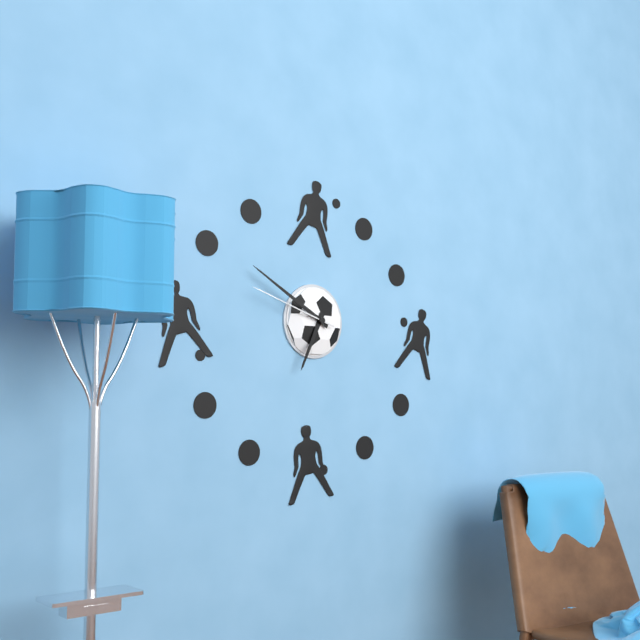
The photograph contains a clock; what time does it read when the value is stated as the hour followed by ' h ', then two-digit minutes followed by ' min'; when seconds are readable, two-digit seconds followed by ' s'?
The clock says 6 h 50 min 48 s
